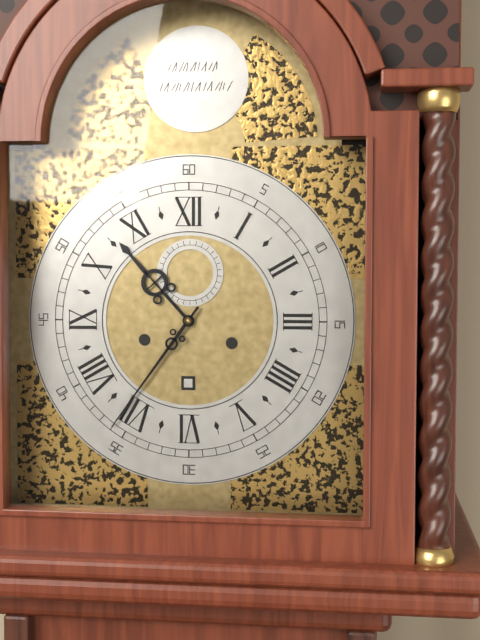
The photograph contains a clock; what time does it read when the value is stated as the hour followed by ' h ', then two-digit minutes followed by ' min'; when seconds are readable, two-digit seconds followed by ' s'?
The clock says 10 h 36 min
